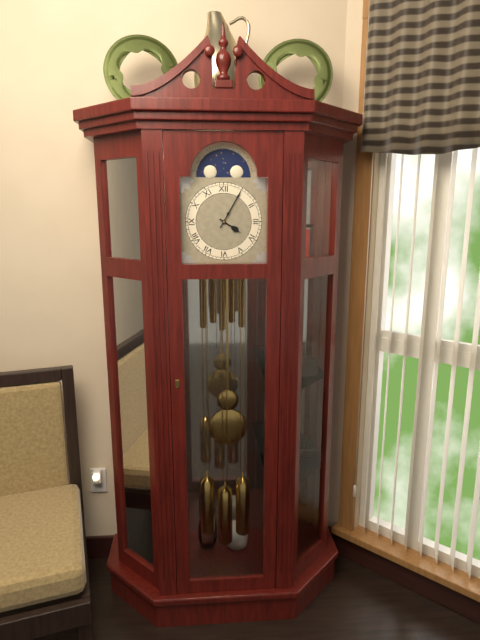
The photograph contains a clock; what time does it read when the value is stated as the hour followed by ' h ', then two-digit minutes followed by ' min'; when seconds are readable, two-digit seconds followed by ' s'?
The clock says 4 h 05 min
